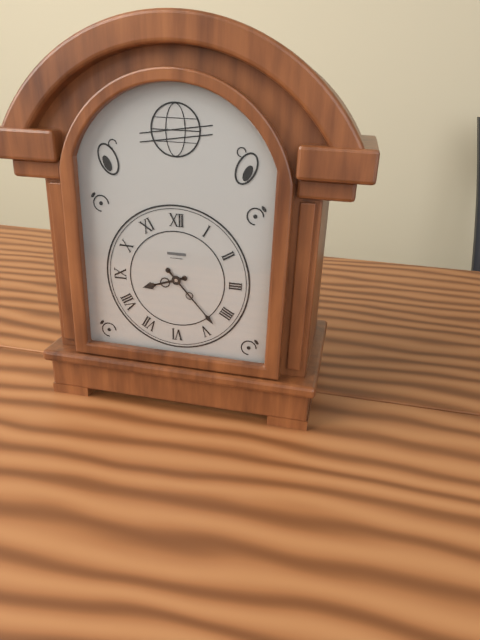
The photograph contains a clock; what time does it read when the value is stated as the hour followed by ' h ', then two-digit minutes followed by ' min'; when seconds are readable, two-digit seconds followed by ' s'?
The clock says 8 h 23 min
